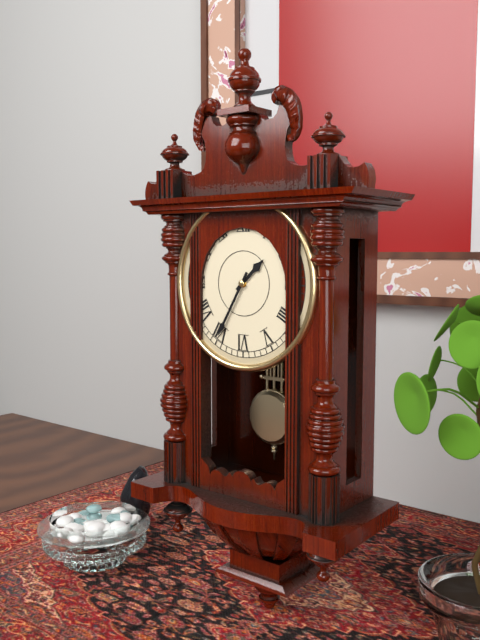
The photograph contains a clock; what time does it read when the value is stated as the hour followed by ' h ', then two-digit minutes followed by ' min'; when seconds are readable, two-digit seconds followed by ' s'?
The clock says 1 h 35 min
